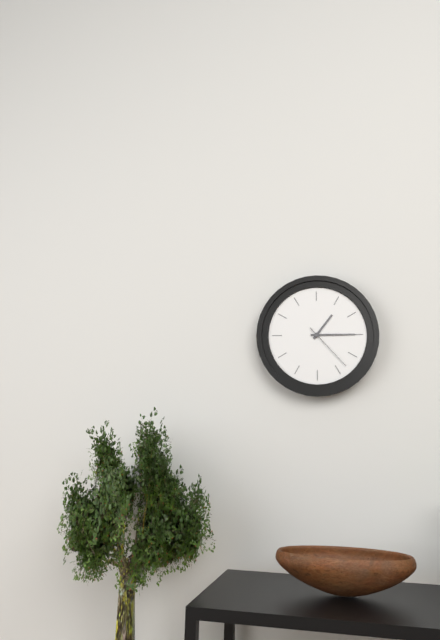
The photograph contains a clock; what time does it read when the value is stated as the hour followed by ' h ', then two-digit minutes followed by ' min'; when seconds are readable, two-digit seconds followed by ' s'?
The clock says 1 h 15 min 23 s
